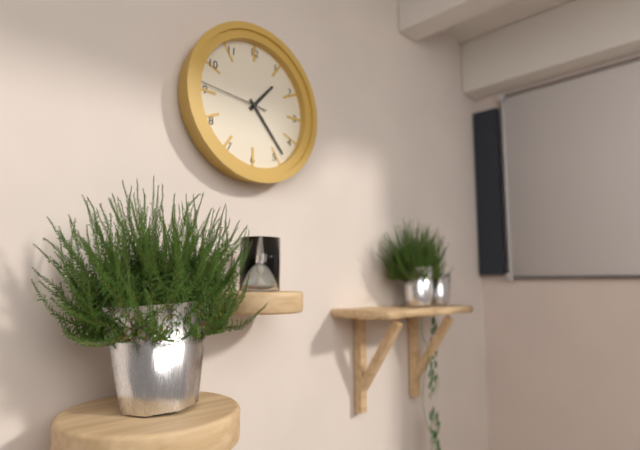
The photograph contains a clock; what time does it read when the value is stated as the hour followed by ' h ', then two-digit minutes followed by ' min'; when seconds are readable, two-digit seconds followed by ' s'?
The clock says 1 h 23 min 46 s
